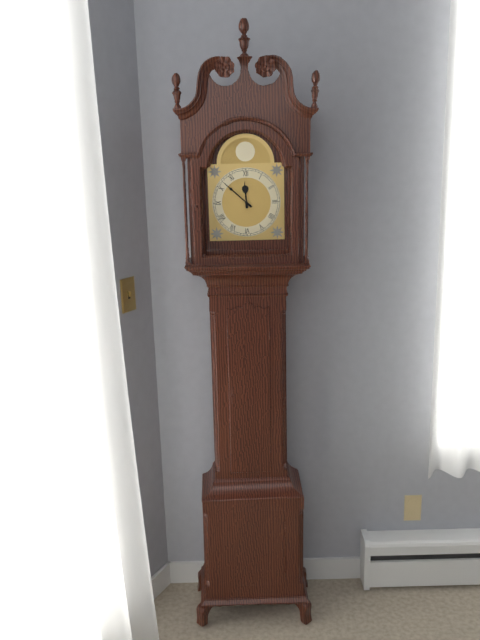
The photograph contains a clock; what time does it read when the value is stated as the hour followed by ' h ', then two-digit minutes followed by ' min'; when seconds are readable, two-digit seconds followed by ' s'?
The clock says 11 h 52 min
